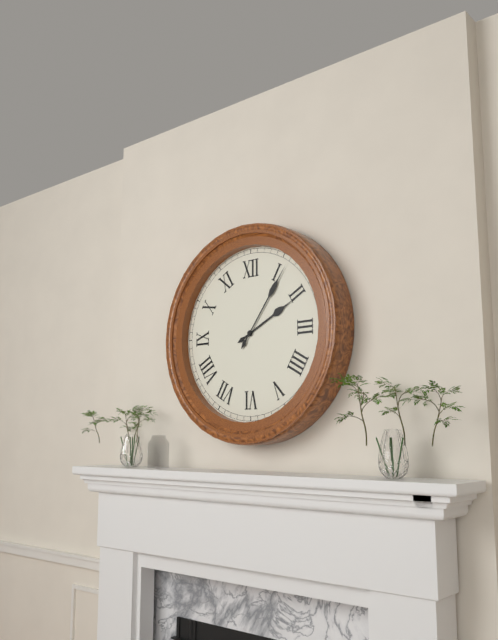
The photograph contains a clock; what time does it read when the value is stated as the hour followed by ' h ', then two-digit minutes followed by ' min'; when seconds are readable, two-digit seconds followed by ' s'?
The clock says 2 h 06 min
